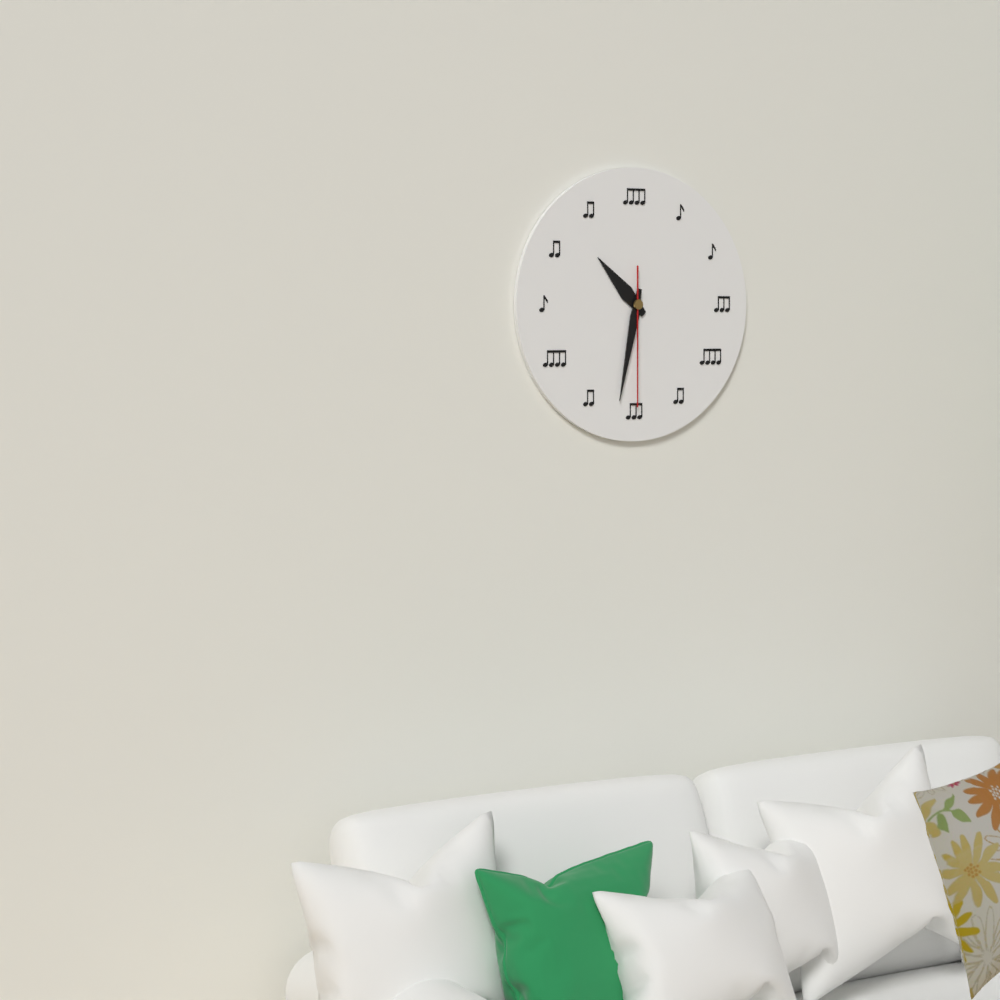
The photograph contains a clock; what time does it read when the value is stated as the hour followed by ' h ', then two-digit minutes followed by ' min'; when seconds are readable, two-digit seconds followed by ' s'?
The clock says 10 h 32 min 30 s
